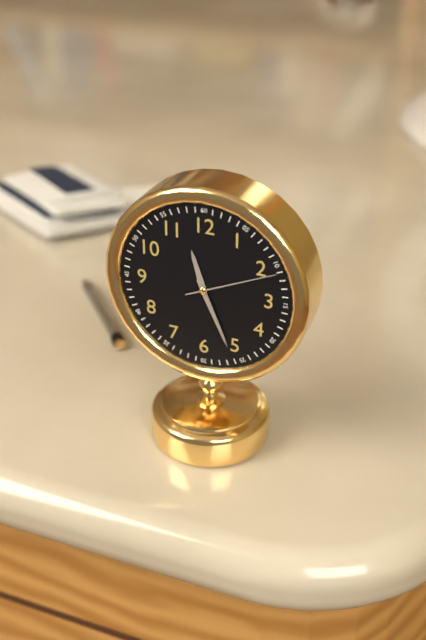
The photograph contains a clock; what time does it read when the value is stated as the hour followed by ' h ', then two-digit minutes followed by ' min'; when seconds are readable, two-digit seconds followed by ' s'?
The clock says 11 h 26 min 11 s
